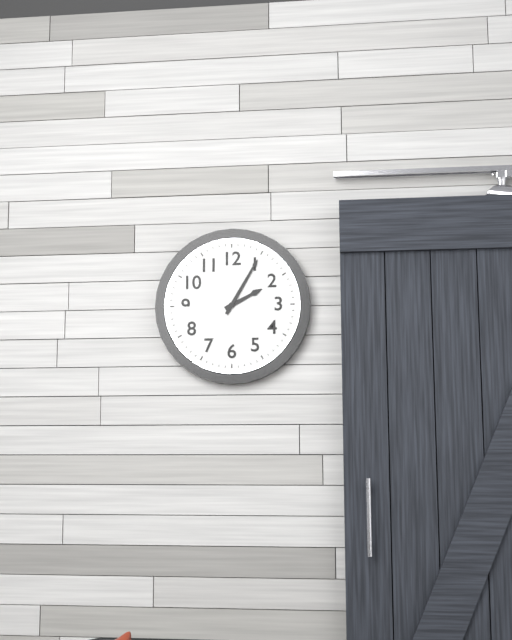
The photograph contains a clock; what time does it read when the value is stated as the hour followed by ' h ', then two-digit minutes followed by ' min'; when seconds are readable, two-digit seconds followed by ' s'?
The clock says 2 h 05 min
